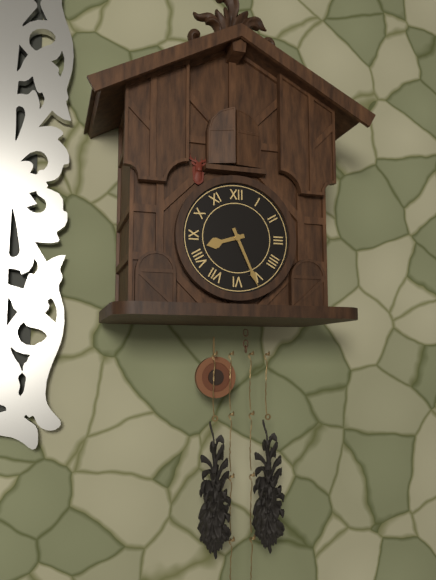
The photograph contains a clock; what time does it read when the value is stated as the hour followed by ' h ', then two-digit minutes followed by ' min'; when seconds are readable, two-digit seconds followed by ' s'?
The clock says 8 h 26 min
